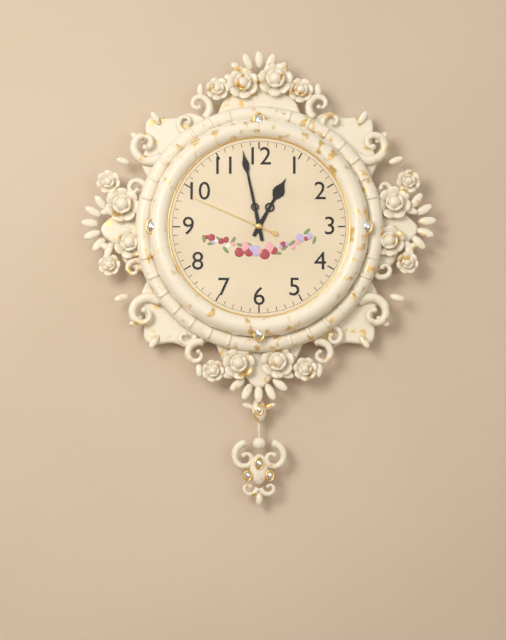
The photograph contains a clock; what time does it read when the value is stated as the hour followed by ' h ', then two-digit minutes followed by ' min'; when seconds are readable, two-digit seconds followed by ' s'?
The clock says 12 h 58 min 49 s
